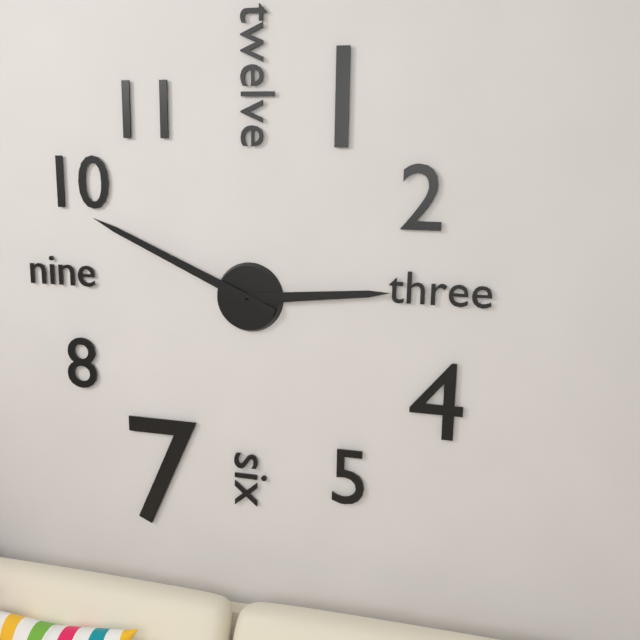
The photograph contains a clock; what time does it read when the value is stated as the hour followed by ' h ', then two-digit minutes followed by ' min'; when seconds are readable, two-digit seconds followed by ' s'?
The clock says 2 h 49 min
